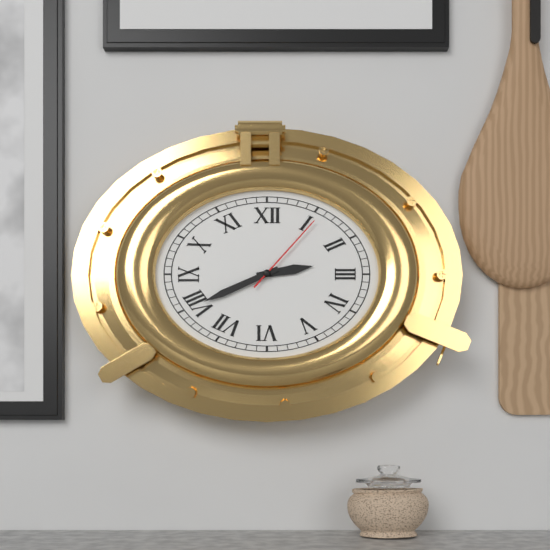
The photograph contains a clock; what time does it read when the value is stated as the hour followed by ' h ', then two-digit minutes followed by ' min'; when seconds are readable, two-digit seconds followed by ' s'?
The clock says 2 h 41 min 07 s
